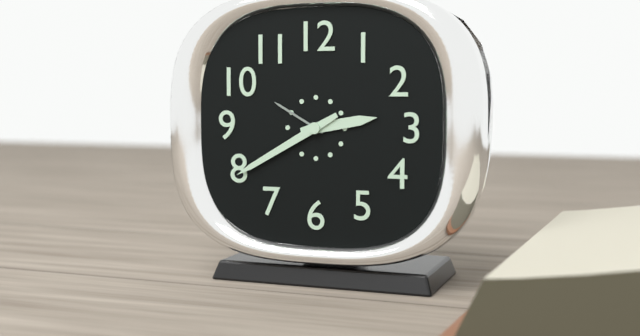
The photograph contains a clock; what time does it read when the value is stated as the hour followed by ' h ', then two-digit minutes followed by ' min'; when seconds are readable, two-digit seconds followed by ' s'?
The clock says 2 h 40 min
